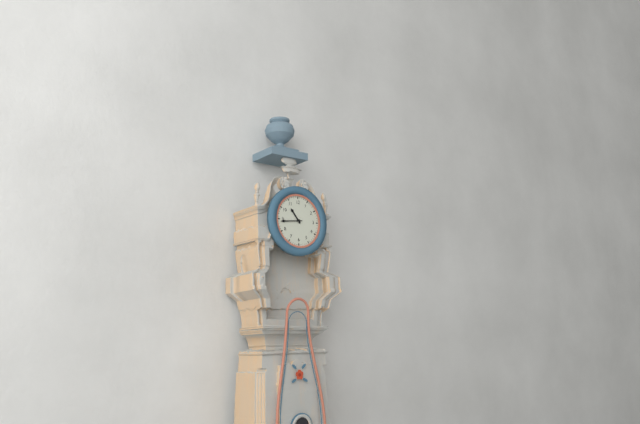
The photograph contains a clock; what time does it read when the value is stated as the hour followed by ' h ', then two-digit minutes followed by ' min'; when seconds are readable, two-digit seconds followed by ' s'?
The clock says 10 h 44 min
